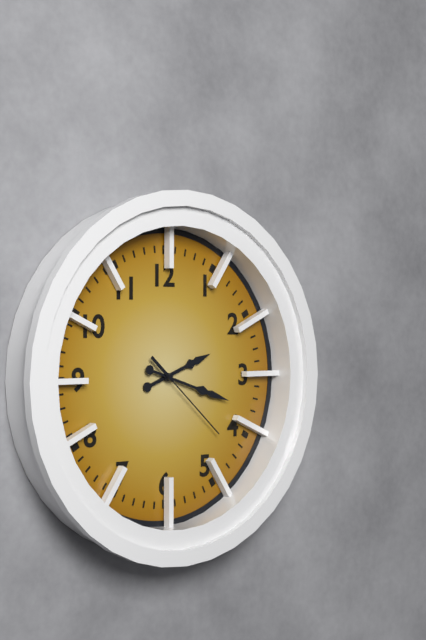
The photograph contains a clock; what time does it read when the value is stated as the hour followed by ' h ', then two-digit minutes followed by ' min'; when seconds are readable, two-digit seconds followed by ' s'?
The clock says 2 h 18 min 22 s
